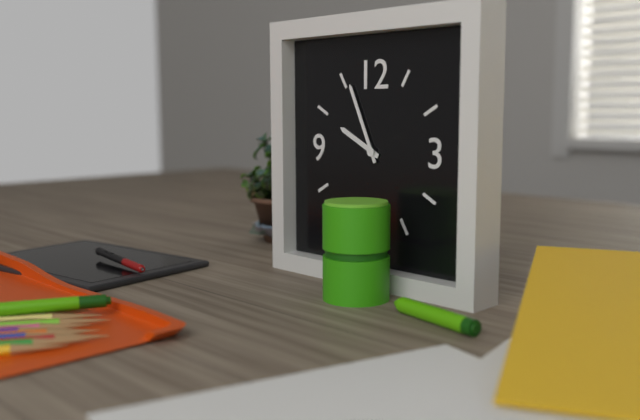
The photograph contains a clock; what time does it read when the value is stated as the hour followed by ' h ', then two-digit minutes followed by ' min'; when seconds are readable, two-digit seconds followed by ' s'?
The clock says 9 h 56 min
